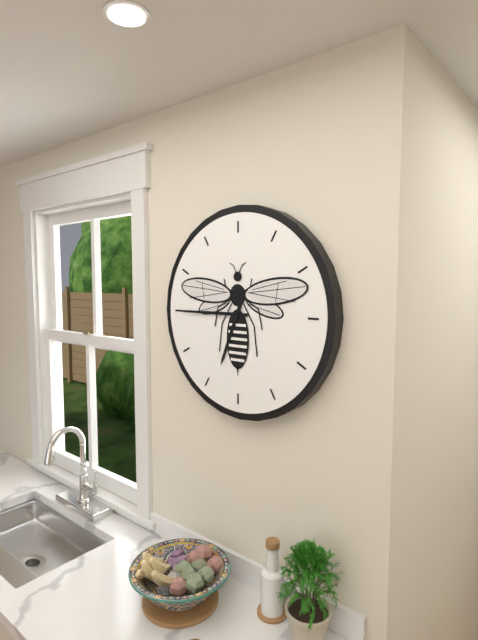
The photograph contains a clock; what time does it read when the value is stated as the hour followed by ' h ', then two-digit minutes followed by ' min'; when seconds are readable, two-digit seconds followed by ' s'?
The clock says 6 h 45 min
